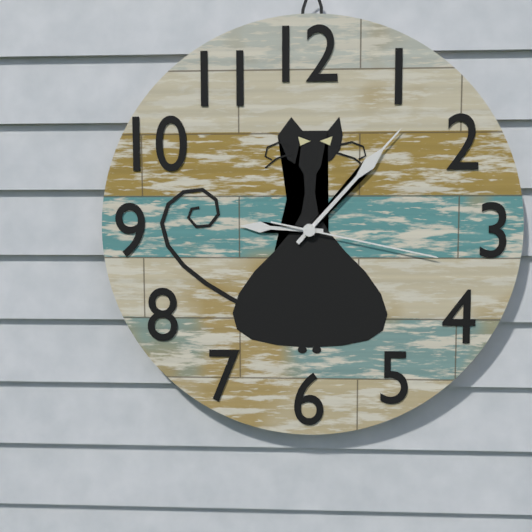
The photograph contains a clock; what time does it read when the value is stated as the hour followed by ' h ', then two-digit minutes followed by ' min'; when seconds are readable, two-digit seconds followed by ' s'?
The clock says 9 h 07 min 17 s
